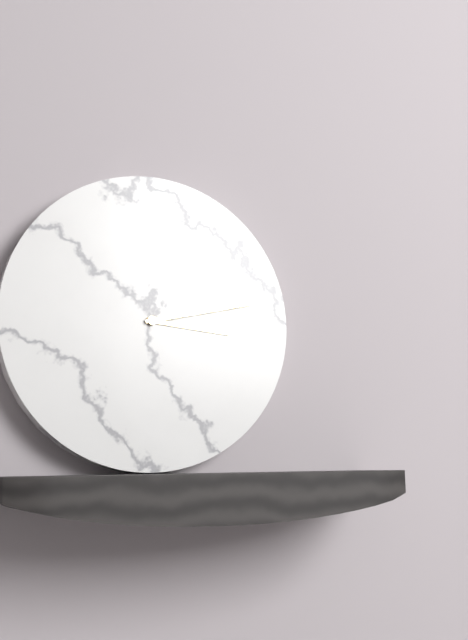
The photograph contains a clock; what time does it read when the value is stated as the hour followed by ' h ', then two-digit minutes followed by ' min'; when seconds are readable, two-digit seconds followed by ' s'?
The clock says 3 h 13 min
